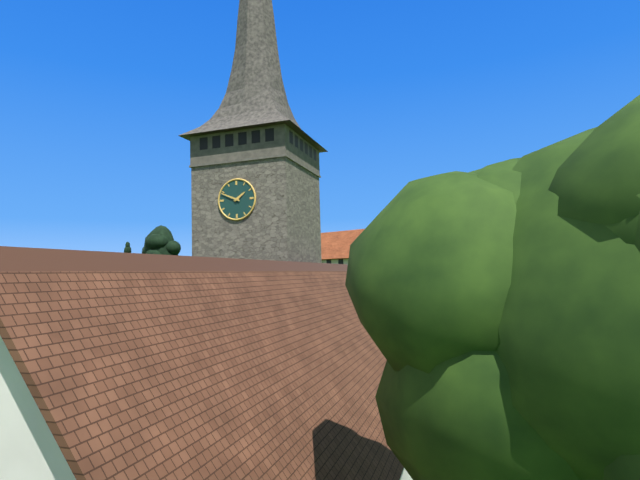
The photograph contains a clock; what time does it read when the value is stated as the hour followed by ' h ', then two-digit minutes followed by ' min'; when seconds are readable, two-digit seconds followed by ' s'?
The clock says 1 h 49 min
